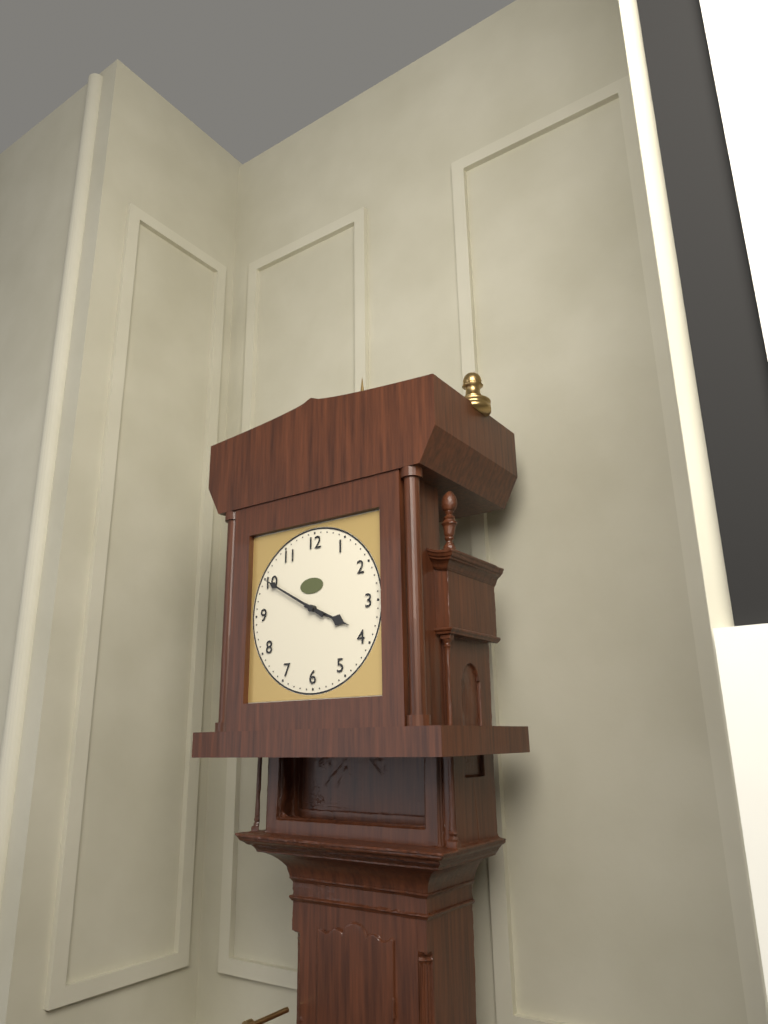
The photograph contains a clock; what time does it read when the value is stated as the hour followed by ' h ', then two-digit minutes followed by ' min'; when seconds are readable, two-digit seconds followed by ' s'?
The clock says 3 h 50 min
